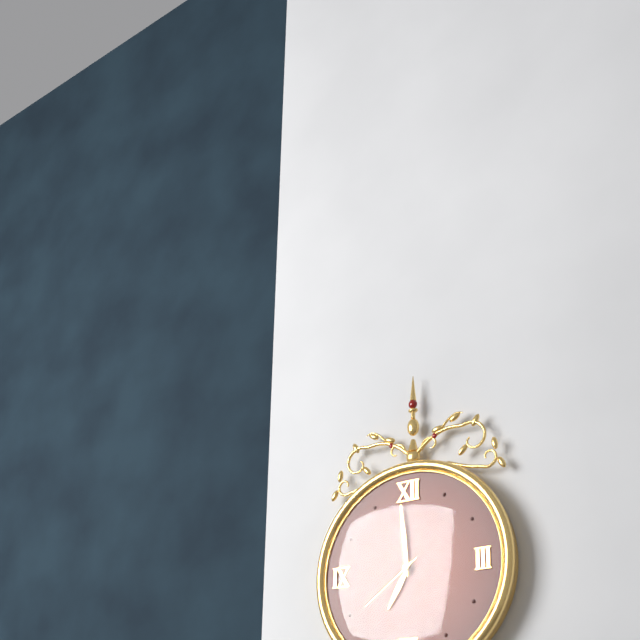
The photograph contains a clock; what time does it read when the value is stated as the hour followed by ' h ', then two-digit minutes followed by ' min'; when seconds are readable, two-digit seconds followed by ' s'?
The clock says 6 h 59 min 39 s
